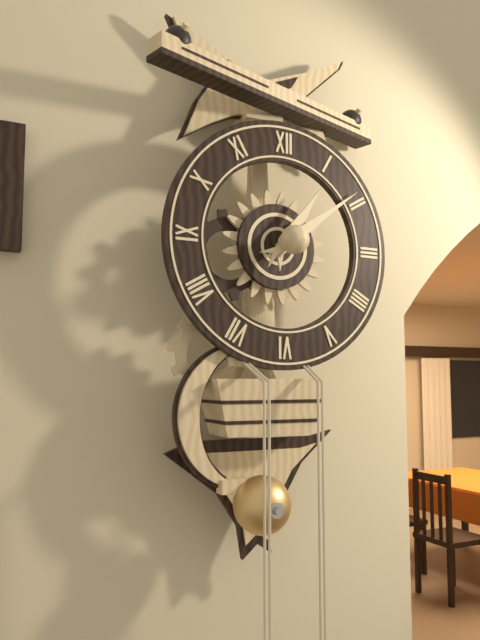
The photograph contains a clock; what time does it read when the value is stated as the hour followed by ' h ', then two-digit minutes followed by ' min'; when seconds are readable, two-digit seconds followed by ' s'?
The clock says 1 h 09 min
